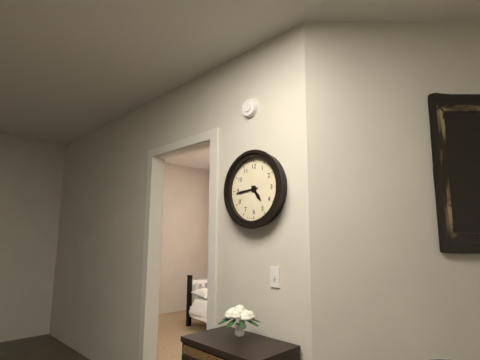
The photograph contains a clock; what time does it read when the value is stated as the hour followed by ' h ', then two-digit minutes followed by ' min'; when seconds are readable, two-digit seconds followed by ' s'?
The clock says 4 h 44 min
